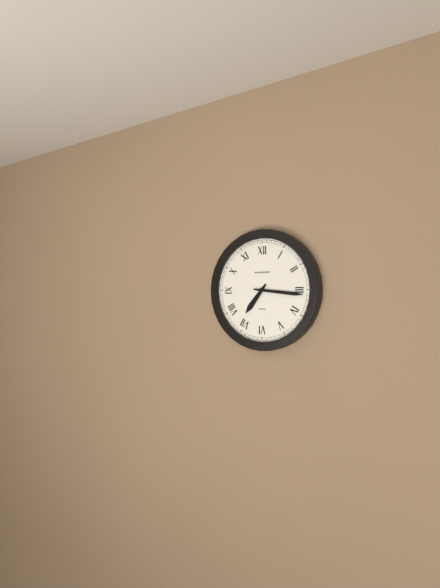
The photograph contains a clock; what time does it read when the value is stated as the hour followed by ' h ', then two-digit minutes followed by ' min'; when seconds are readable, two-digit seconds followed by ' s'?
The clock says 7 h 16 min
